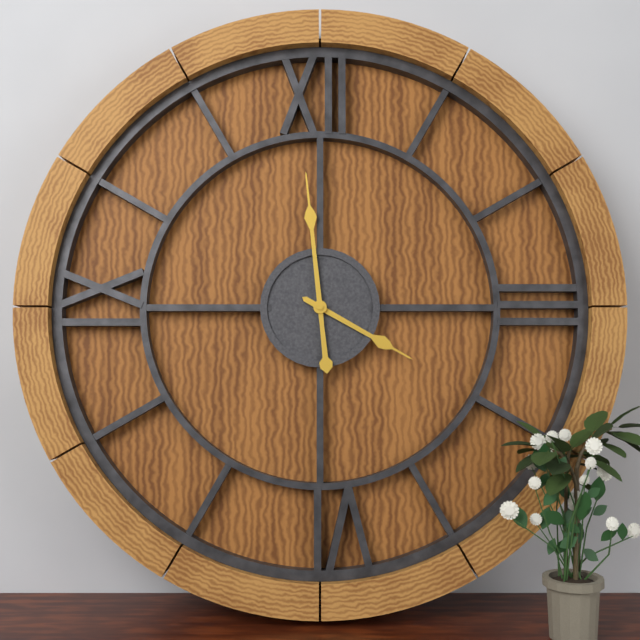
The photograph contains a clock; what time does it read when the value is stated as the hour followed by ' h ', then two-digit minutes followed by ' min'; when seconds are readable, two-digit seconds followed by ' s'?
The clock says 3 h 59 min
